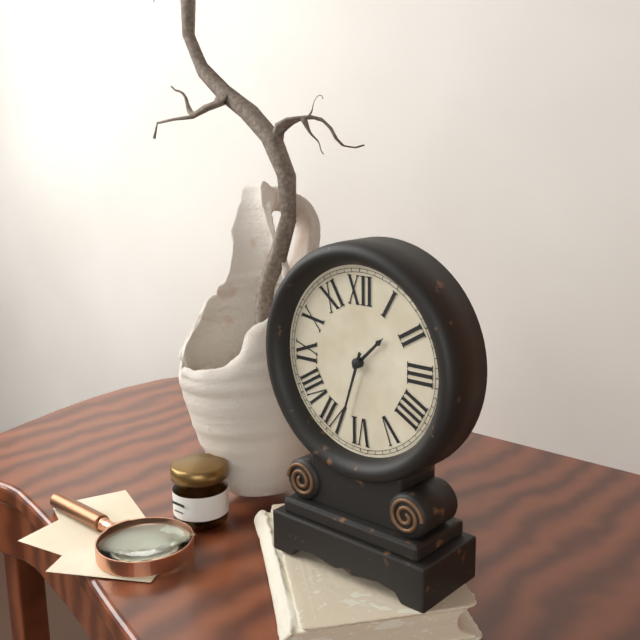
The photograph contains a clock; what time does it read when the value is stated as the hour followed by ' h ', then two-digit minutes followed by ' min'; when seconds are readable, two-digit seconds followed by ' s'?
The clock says 1 h 33 min
